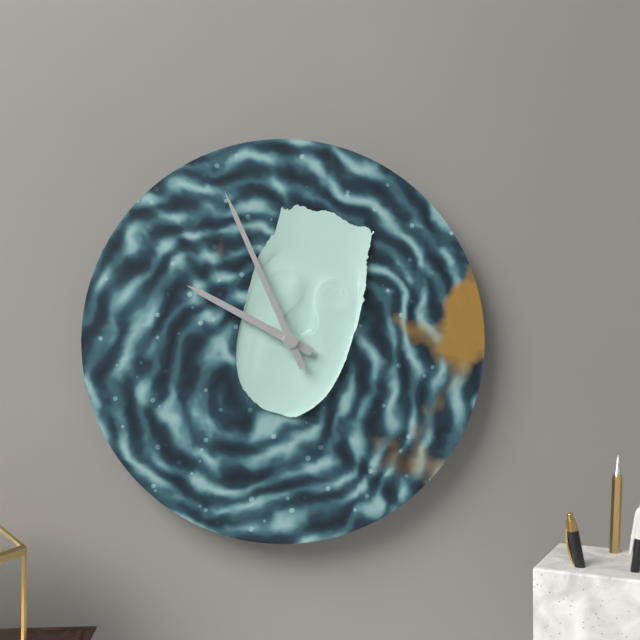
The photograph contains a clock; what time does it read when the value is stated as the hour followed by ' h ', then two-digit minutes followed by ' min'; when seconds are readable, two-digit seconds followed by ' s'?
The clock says 9 h 56 min
